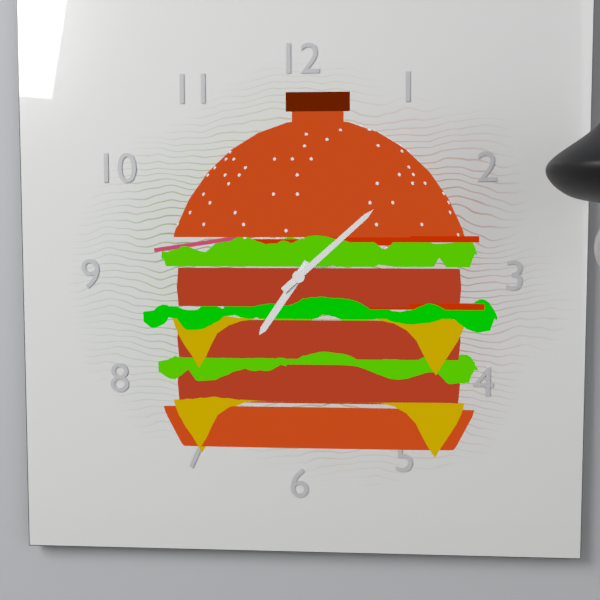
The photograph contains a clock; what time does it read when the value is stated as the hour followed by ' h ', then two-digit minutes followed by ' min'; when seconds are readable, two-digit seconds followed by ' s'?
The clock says 7 h 08 min
